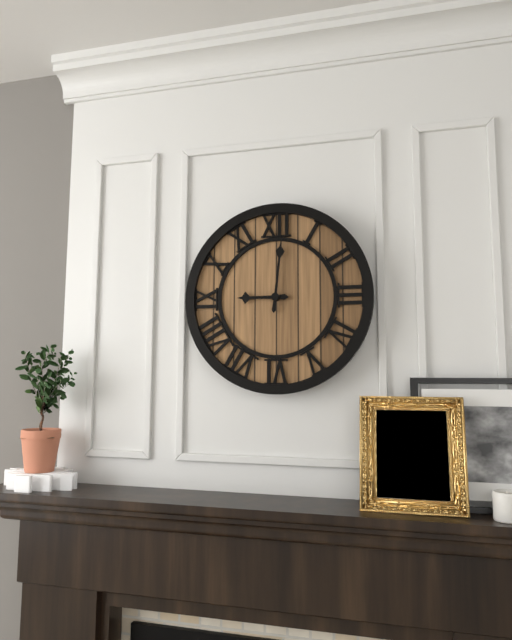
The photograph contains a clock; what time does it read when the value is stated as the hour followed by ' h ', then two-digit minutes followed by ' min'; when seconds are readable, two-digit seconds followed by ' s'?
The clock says 9 h 01 min
